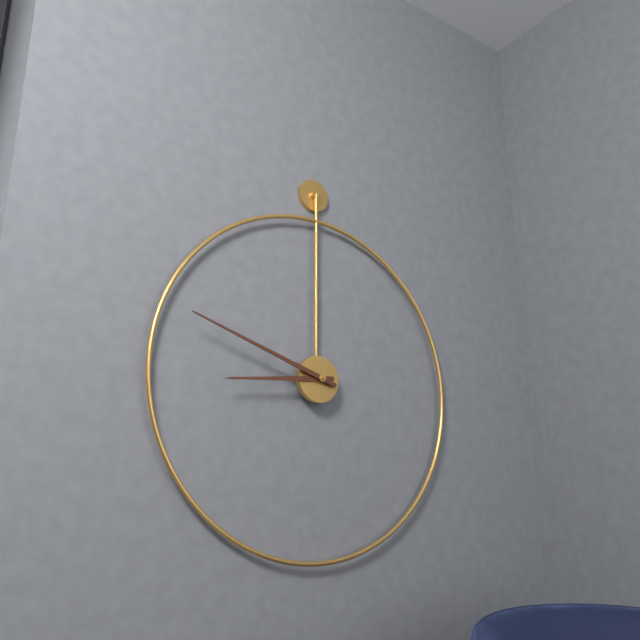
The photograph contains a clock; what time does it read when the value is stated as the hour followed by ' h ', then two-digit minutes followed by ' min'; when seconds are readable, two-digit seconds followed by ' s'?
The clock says 8 h 48 min
